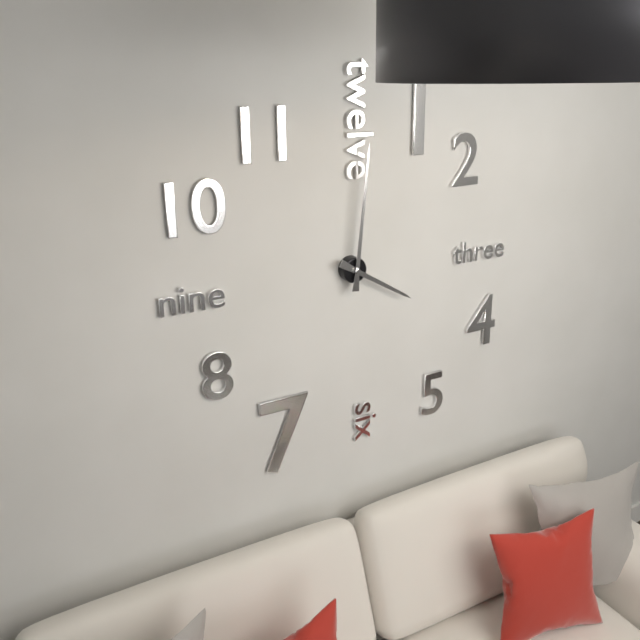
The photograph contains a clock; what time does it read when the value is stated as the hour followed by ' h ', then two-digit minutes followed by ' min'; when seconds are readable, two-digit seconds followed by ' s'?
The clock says 4 h 01 min
